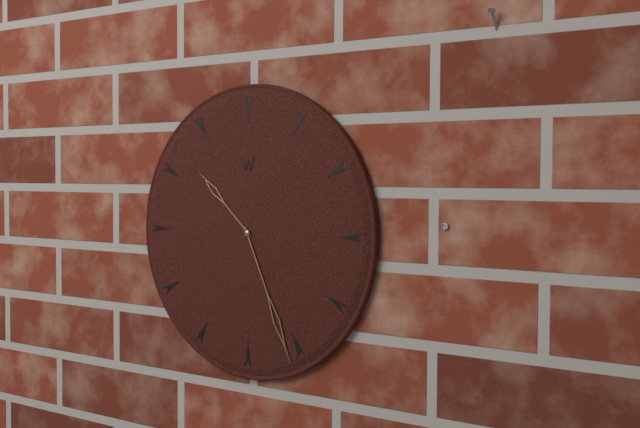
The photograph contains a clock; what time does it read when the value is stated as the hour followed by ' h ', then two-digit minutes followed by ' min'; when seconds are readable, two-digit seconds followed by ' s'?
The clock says 10 h 26 min
